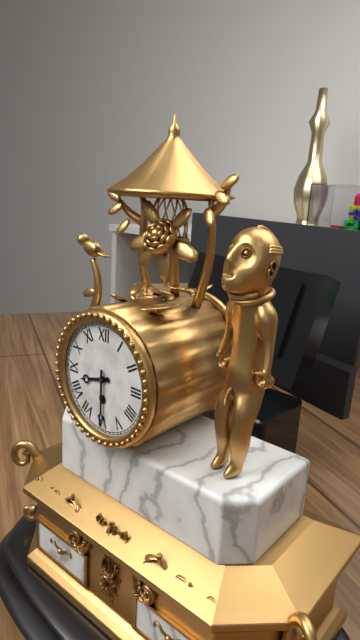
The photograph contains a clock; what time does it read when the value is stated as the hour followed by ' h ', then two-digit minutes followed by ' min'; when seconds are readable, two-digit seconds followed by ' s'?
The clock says 8 h 30 min
